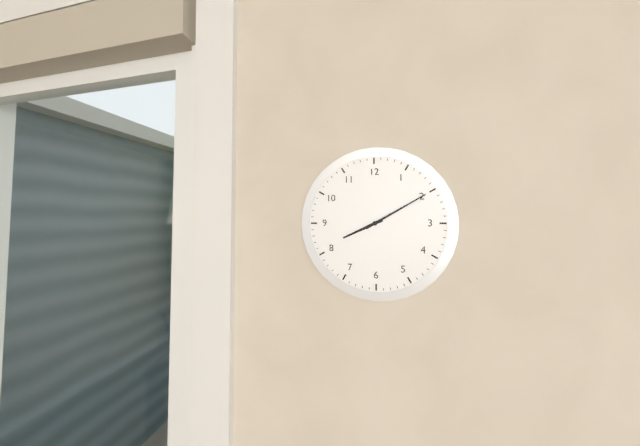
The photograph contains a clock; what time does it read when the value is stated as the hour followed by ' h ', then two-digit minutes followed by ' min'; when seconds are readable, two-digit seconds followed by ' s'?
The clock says 8 h 10 min
